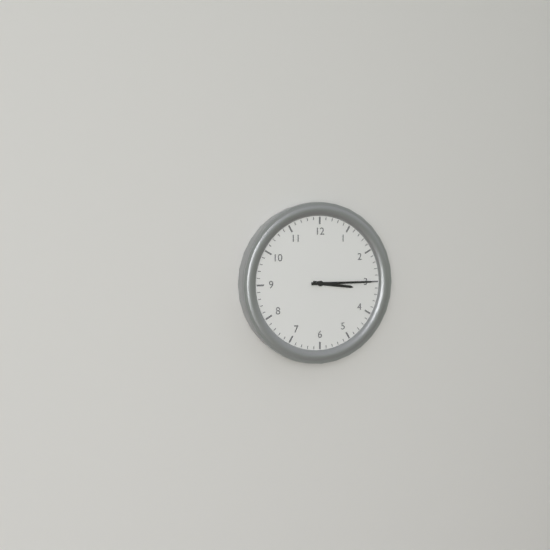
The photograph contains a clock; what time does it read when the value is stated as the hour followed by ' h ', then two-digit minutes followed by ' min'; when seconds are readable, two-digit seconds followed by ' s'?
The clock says 3 h 15 min
